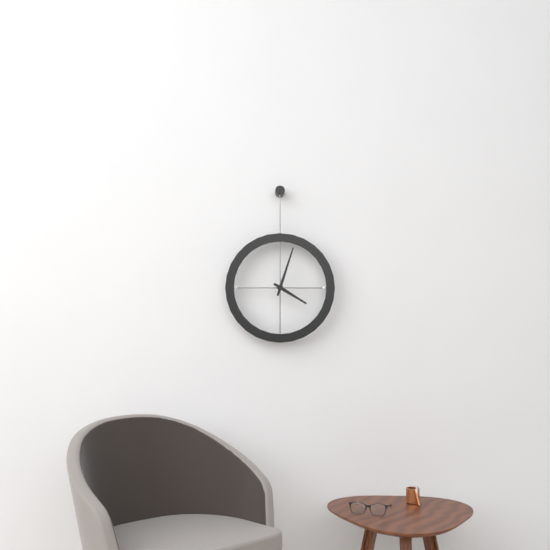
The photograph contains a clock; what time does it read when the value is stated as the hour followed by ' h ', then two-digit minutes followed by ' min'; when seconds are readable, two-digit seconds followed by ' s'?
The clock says 4 h 03 min
